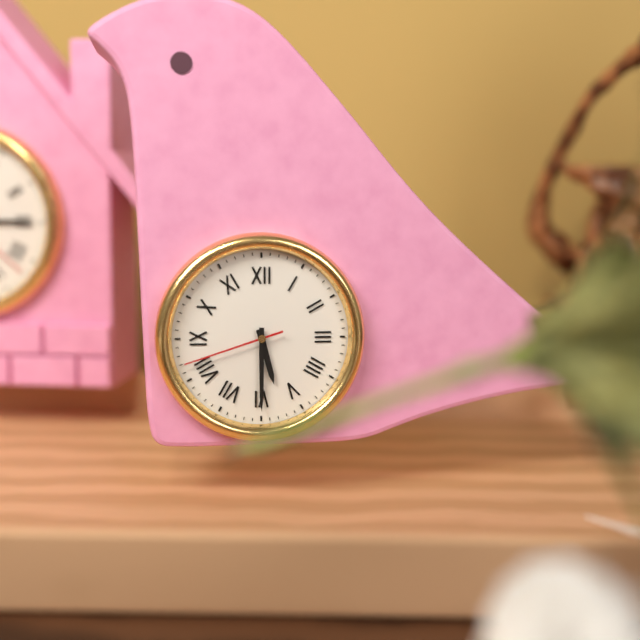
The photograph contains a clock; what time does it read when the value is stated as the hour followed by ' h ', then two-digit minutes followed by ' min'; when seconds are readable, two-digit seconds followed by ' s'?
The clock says 5 h 30 min 42 s
